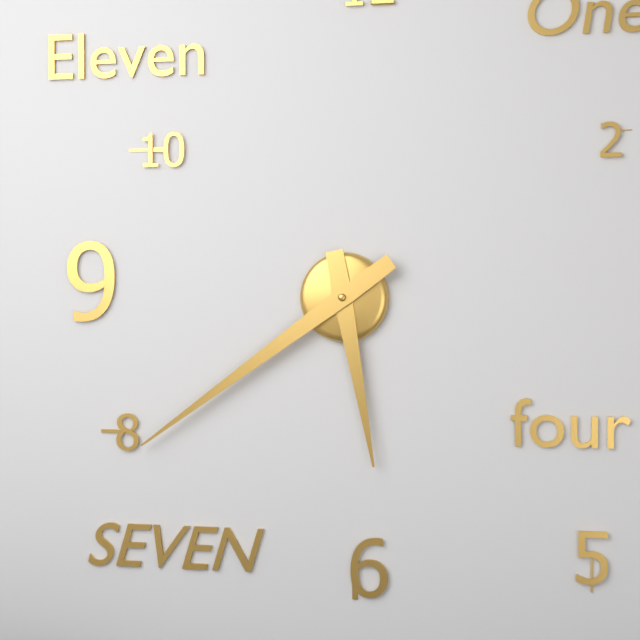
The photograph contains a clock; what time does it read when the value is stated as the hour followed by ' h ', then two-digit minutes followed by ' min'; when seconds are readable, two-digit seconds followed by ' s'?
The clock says 5 h 39 min
